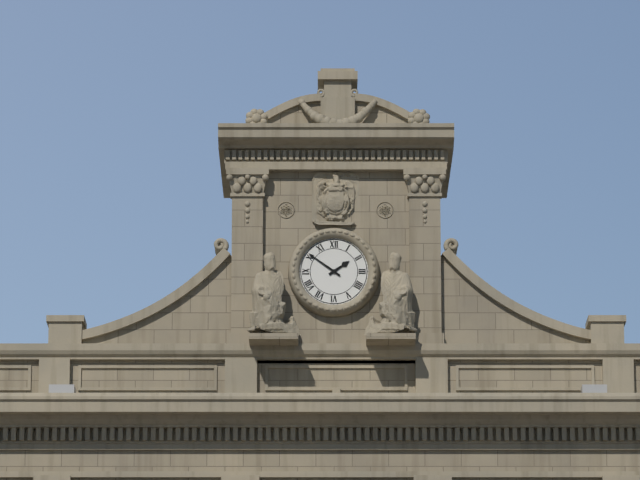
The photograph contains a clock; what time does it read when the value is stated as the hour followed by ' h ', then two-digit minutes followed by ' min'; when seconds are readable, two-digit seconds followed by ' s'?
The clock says 1 h 51 min
